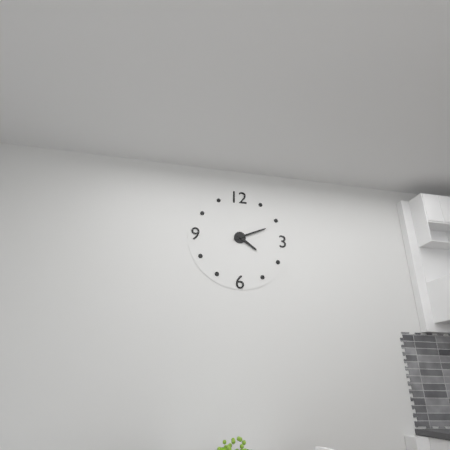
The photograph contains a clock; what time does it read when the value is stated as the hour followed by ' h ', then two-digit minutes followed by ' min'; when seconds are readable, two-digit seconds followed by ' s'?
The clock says 4 h 11 min
